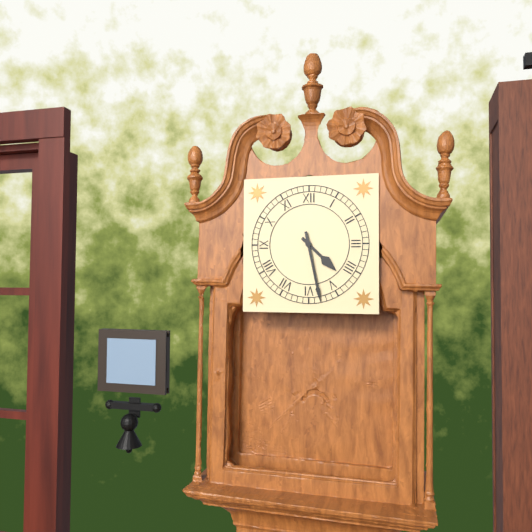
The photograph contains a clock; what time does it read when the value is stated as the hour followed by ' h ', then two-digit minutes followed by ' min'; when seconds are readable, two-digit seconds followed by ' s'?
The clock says 4 h 28 min
